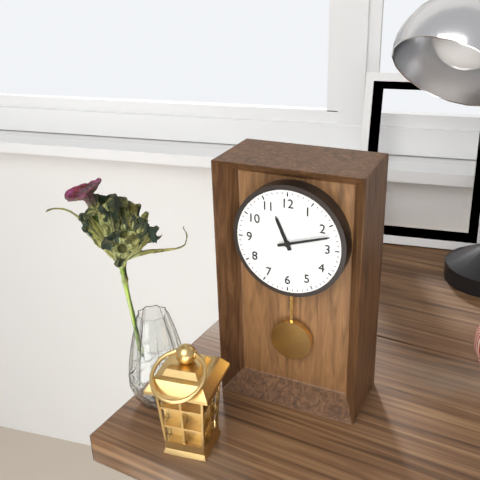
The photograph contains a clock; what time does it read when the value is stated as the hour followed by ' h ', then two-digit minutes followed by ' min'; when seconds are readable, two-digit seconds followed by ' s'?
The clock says 11 h 12 min
